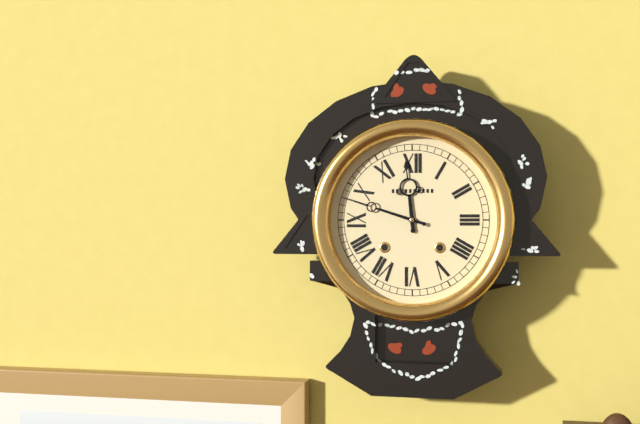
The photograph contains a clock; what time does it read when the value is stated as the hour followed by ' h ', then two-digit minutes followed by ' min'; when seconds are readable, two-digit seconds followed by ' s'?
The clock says 11 h 48 min
